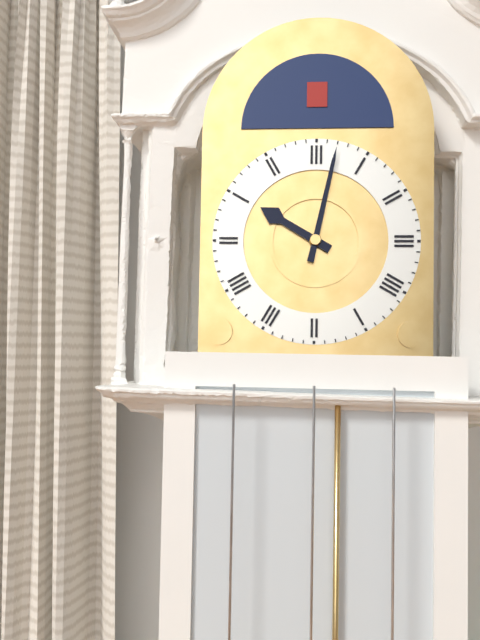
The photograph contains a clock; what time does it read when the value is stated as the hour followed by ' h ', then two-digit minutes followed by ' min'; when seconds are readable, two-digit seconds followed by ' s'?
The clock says 10 h 02 min
